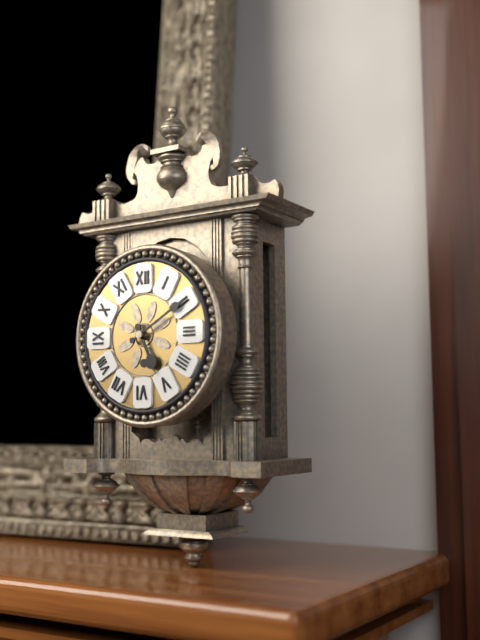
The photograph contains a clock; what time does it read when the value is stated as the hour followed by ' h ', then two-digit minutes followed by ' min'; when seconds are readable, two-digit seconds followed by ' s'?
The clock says 5 h 10 min
